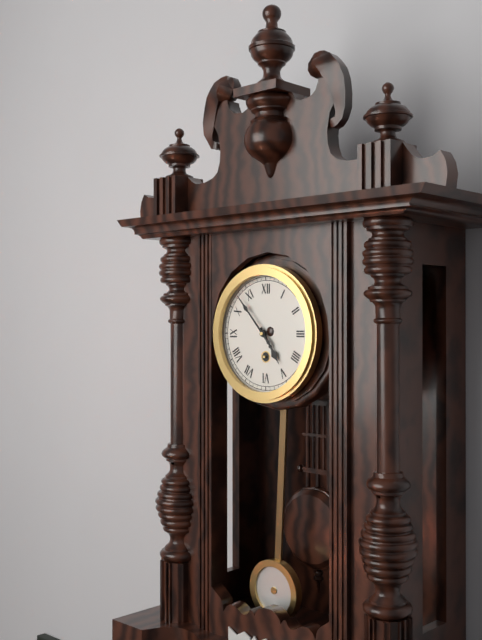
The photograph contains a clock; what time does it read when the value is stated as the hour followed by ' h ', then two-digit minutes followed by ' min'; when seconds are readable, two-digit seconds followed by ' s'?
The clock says 4 h 53 min
